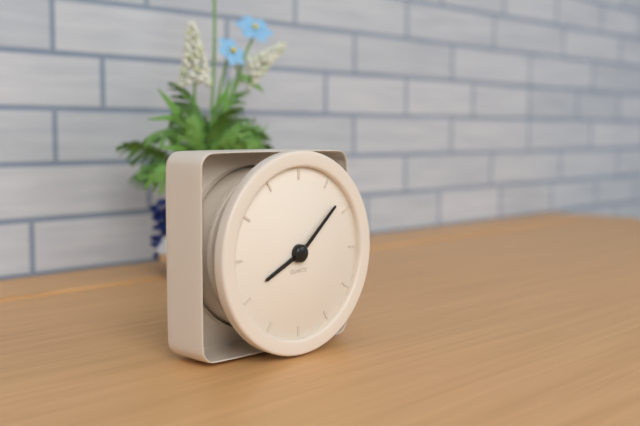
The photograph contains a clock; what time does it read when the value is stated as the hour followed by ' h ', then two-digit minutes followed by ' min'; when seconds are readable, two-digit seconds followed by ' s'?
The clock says 8 h 08 min
